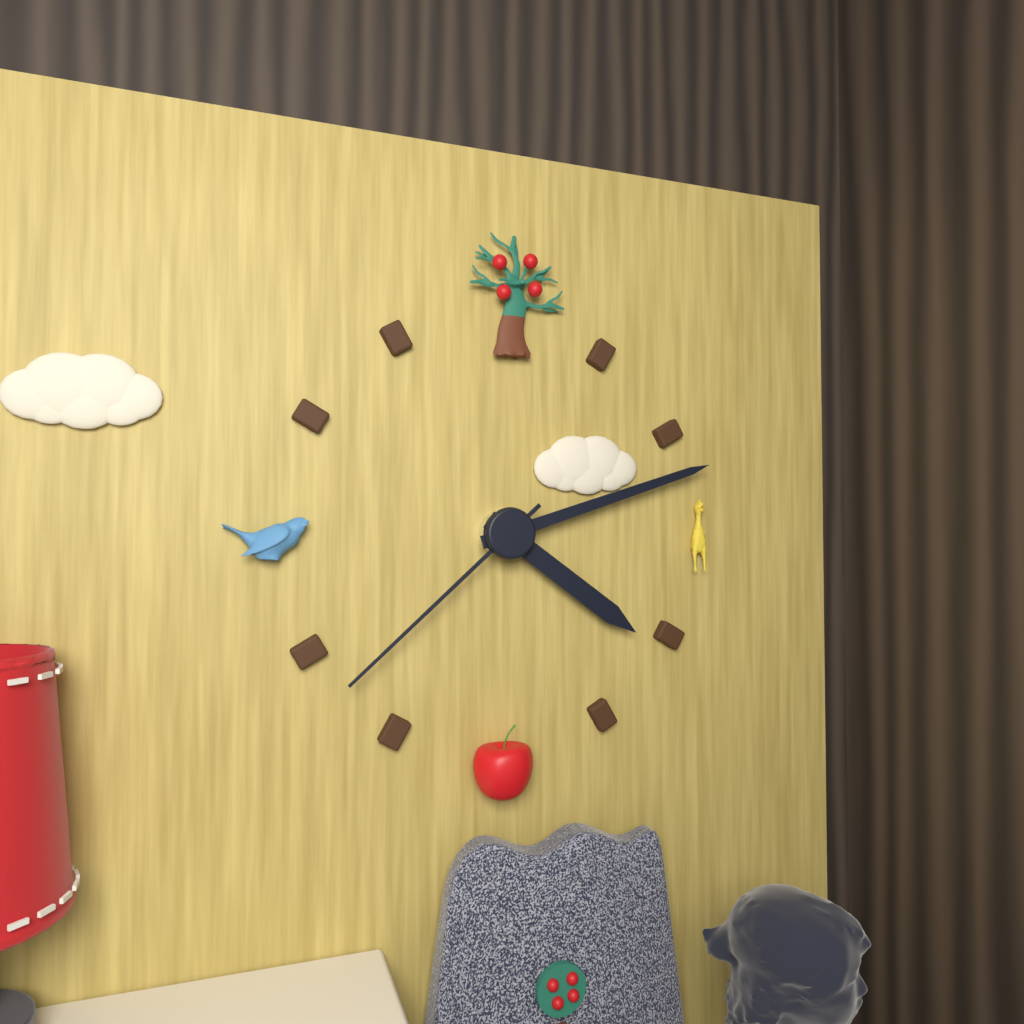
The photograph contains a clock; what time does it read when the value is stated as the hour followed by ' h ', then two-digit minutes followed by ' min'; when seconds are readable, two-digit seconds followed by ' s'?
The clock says 4 h 12 min 38 s
